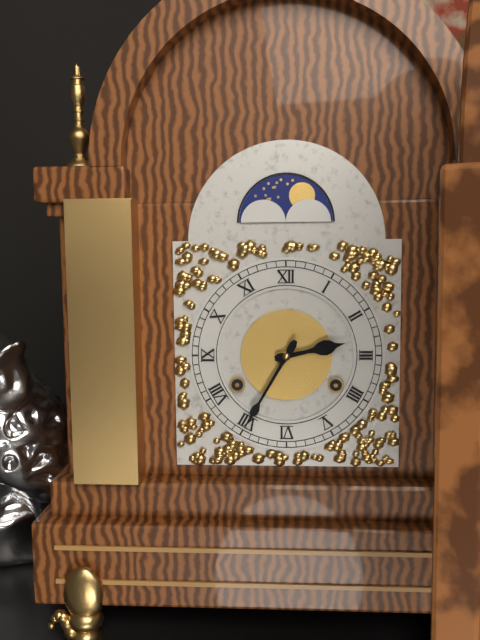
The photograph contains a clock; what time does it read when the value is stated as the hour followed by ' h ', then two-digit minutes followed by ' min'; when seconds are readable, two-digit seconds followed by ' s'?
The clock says 2 h 35 min
